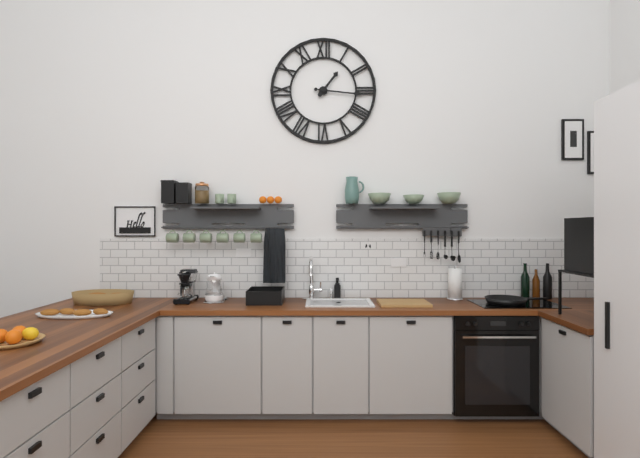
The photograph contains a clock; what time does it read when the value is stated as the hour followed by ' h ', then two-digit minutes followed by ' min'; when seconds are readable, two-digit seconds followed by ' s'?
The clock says 1 h 16 min
